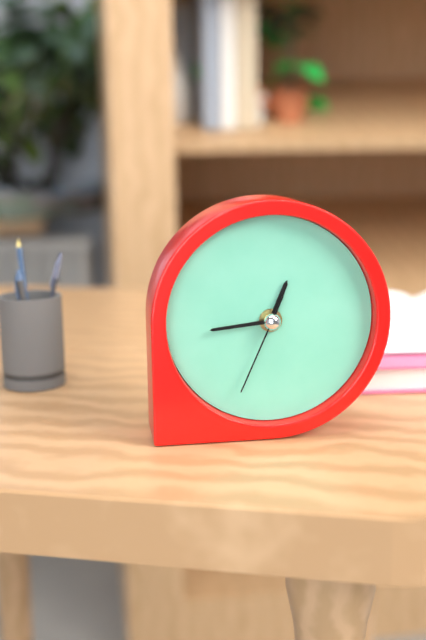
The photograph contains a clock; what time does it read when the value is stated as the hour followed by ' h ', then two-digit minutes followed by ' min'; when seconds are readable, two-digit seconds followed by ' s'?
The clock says 12 h 44 min 34 s
